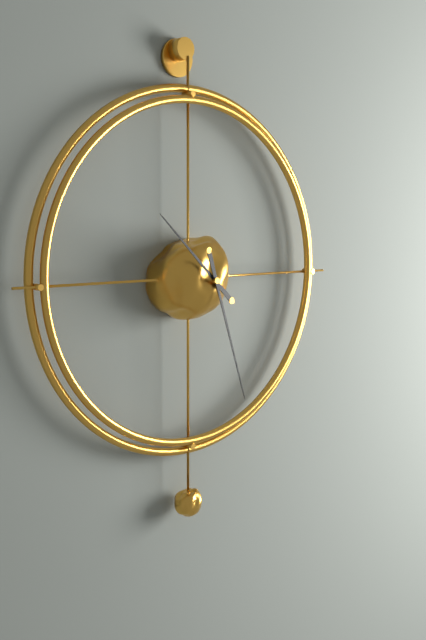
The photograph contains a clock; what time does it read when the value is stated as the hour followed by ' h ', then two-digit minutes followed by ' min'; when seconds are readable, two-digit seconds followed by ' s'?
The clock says 10 h 27 min
